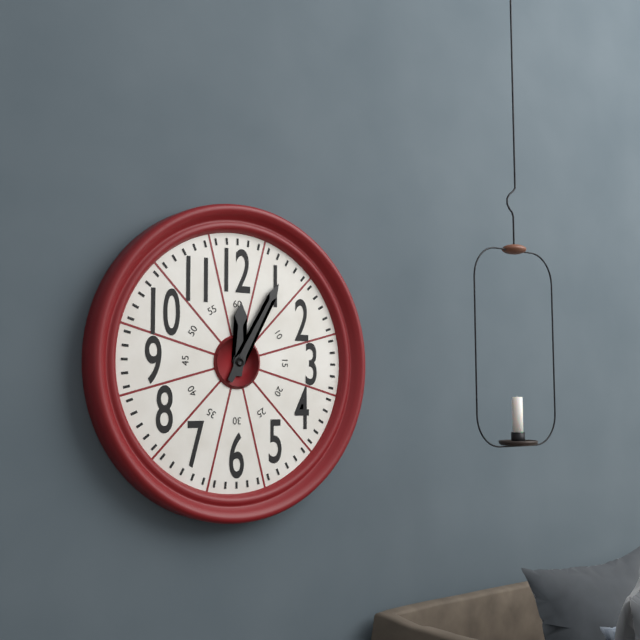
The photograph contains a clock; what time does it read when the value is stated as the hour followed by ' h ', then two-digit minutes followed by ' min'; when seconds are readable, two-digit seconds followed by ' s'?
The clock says 12 h 05 min
